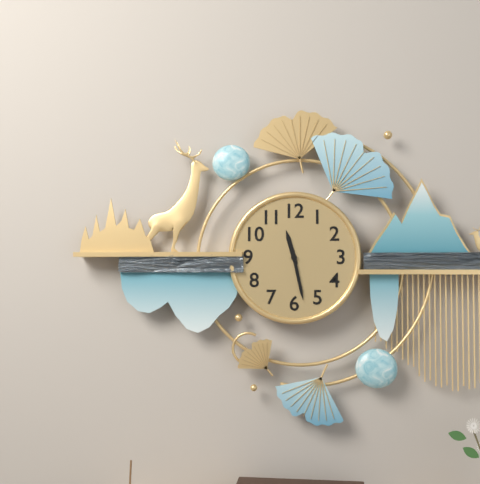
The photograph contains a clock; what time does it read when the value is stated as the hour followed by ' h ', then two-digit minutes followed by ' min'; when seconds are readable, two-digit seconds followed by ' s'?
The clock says 11 h 28 min
